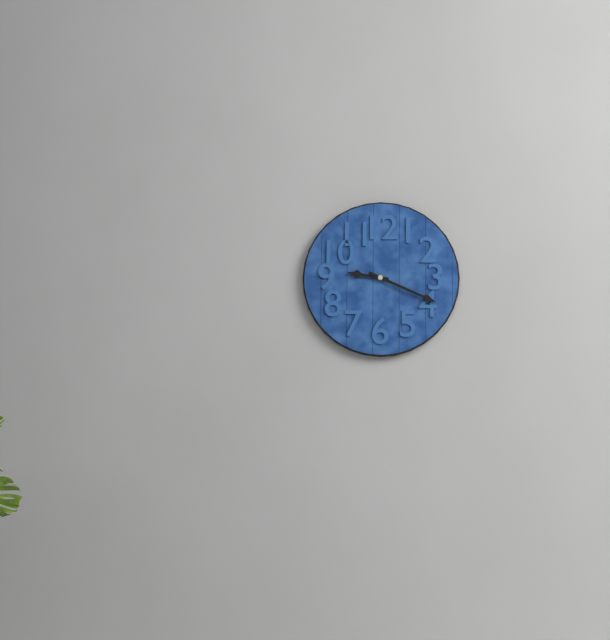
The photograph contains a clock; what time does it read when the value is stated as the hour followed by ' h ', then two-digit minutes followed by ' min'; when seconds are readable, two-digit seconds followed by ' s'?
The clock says 9 h 19 min
